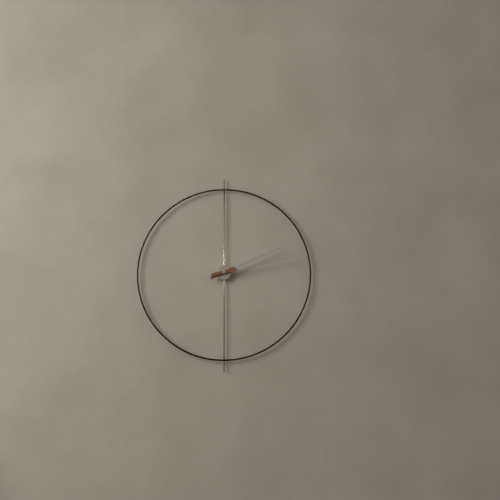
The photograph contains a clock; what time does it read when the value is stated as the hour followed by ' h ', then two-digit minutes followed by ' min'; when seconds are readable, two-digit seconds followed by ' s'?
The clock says 2 h 13 min
